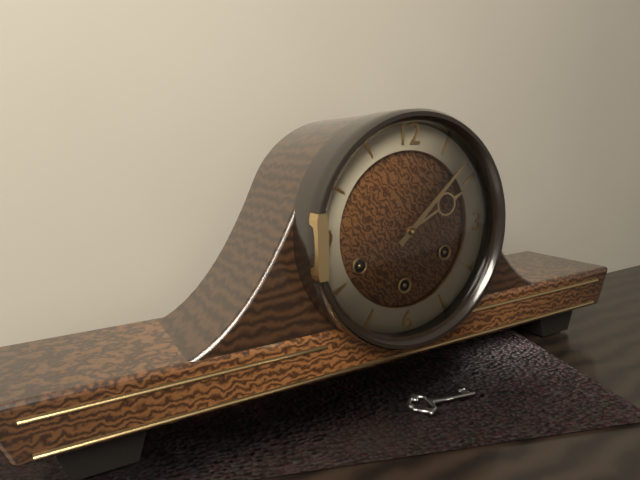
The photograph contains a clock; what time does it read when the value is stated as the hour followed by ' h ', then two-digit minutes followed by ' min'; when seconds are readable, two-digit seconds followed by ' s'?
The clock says 2 h 08 min
